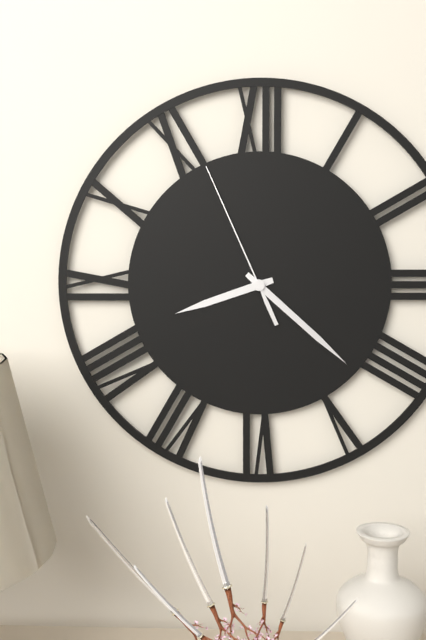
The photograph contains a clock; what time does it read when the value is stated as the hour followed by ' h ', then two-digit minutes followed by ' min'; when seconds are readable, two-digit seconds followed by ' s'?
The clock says 8 h 22 min 56 s
